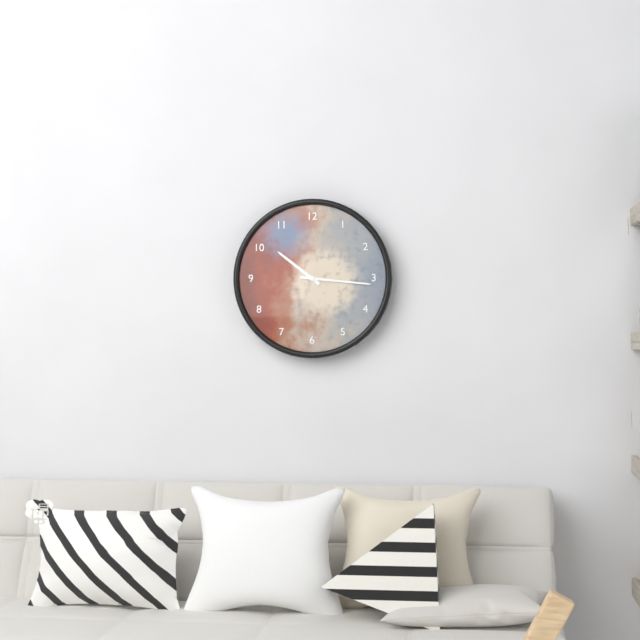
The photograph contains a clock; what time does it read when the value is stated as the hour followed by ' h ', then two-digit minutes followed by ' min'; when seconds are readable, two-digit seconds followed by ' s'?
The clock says 10 h 16 min
